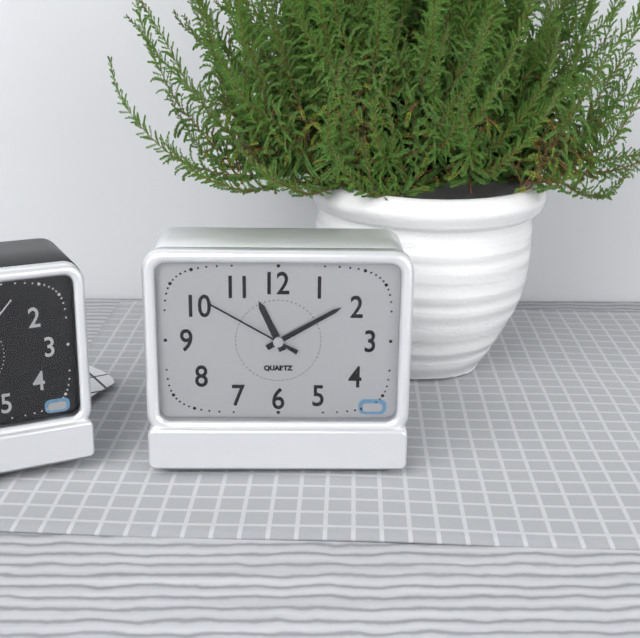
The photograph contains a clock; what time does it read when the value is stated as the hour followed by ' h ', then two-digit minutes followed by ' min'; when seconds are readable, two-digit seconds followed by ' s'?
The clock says 11 h 10 min 50 s
